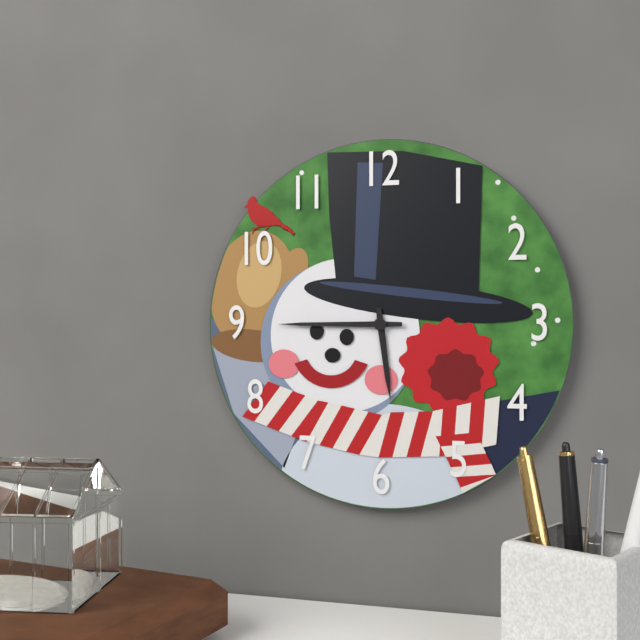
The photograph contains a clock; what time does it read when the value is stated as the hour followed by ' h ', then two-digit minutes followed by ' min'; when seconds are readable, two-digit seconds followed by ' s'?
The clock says 5 h 45 min
